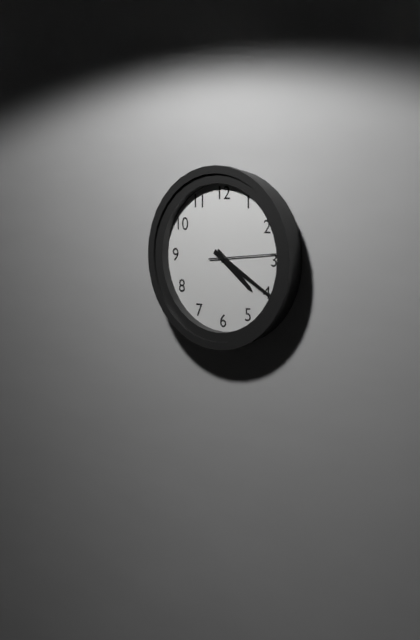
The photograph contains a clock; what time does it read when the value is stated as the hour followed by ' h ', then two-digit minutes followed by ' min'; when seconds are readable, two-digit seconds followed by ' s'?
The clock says 4 h 20 min 14 s
